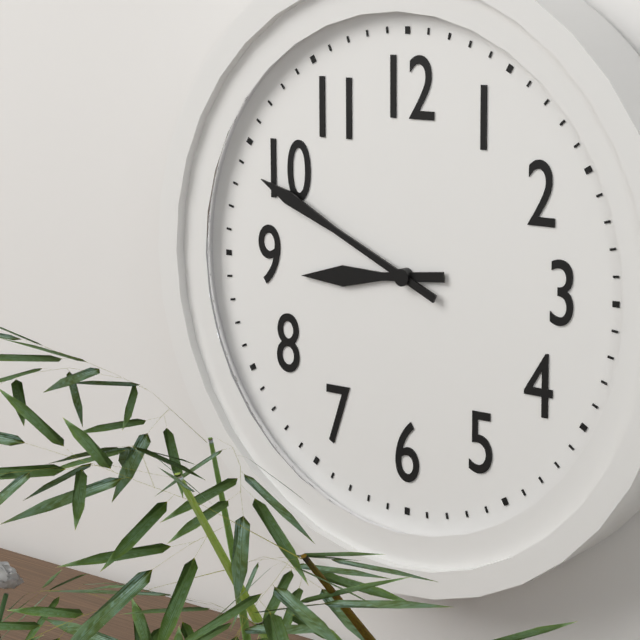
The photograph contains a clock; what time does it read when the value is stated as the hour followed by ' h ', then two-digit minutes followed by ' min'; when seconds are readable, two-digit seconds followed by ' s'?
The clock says 8 h 49 min
